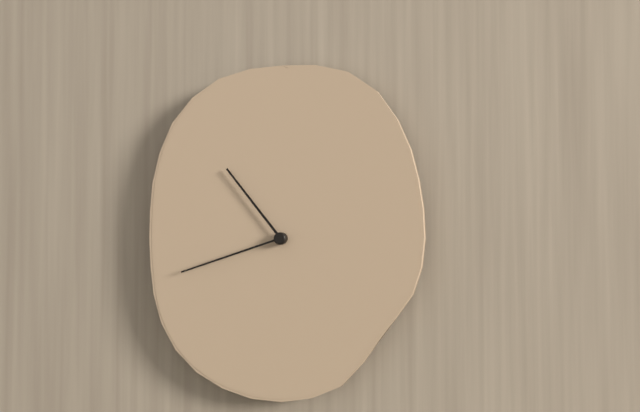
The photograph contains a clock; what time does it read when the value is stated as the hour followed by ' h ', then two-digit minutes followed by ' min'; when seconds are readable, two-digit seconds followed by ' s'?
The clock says 10 h 42 min
